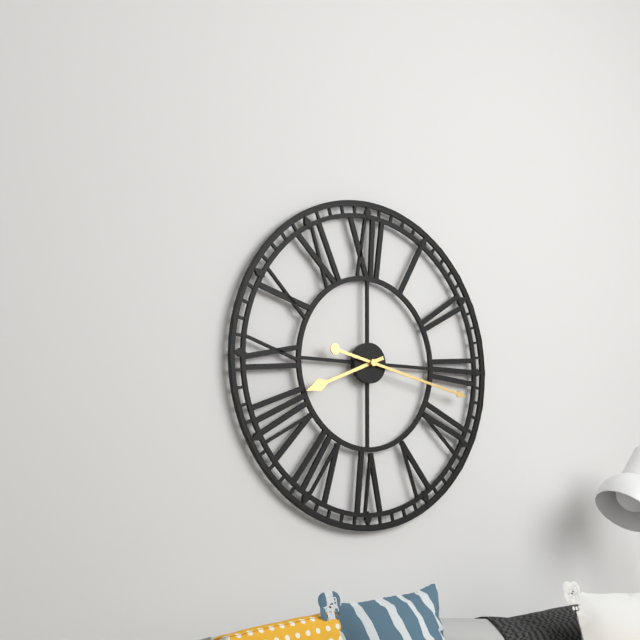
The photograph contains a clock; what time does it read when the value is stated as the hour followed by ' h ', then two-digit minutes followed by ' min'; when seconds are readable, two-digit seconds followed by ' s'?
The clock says 8 h 17 min
